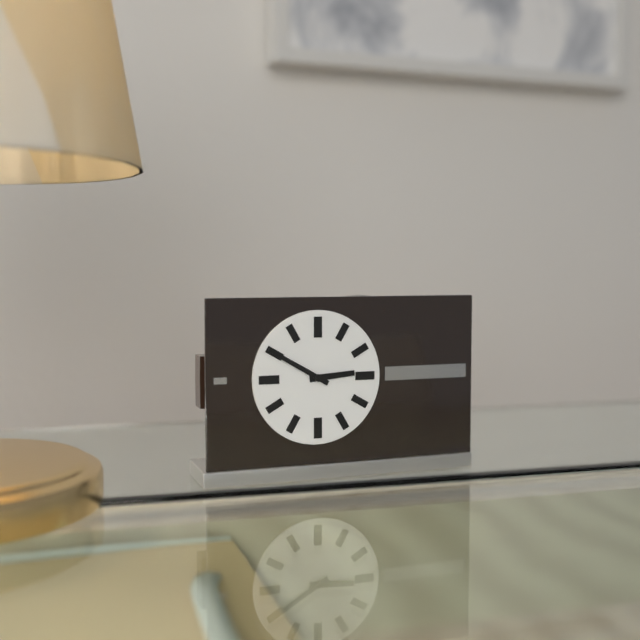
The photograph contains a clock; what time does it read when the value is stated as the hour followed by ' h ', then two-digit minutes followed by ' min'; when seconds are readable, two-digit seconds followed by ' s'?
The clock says 2 h 50 min
